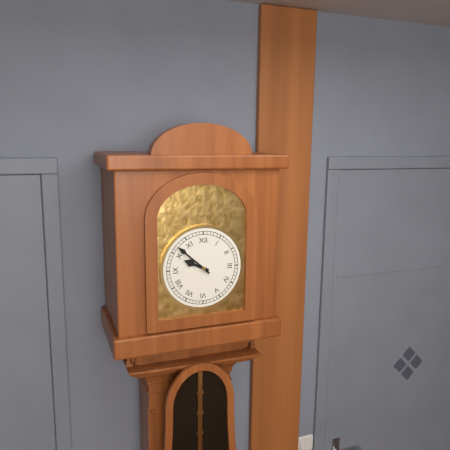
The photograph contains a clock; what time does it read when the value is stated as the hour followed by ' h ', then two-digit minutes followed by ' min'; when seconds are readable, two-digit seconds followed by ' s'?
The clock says 9 h 52 min
